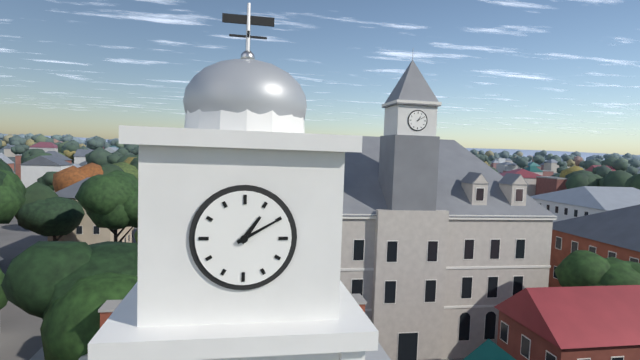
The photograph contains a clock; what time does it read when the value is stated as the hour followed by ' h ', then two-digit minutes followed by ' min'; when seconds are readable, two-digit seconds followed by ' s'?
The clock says 1 h 10 min
